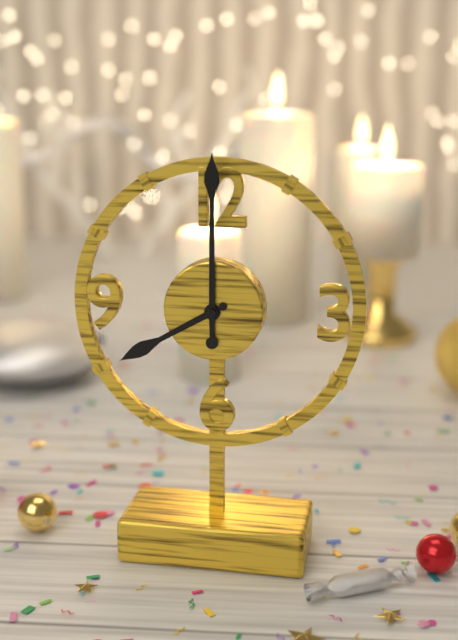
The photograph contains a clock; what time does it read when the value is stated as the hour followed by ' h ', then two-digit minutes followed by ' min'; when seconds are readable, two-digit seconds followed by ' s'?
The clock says 8 h 00 min
